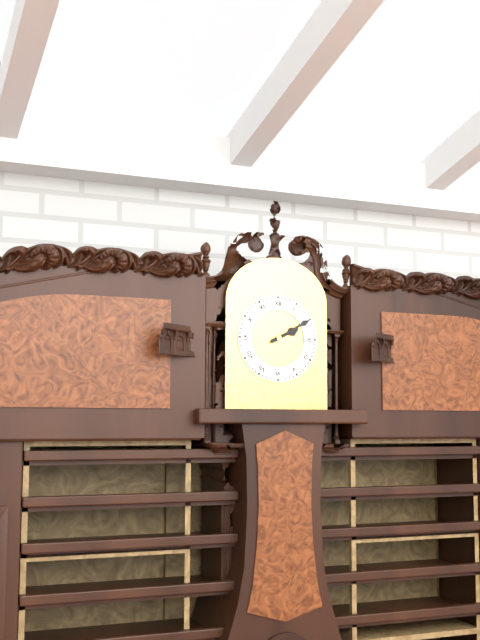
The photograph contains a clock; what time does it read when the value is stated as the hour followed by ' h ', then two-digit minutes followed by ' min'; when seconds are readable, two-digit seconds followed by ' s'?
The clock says 2 h 10 min
